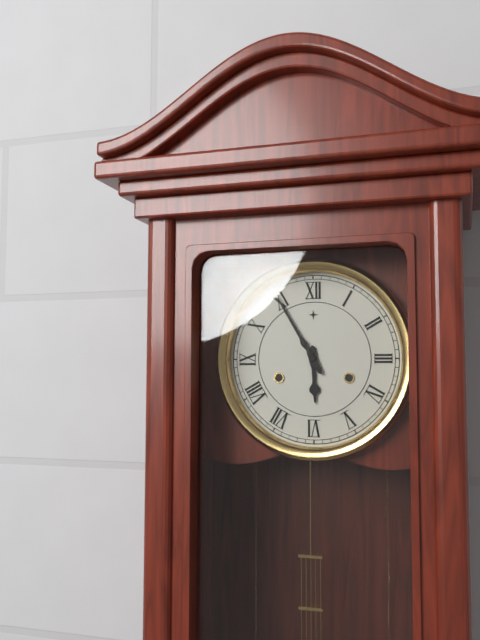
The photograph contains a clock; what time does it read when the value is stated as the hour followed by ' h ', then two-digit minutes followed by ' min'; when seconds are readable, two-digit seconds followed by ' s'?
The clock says 5 h 55 min
